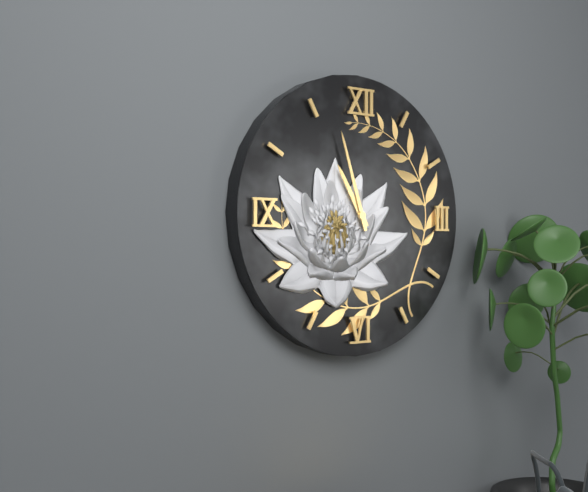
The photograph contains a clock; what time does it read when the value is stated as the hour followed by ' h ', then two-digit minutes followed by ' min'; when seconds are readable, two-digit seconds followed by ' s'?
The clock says 10 h 57 min
